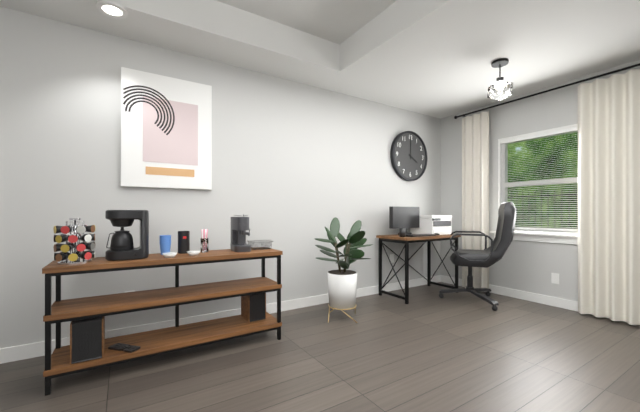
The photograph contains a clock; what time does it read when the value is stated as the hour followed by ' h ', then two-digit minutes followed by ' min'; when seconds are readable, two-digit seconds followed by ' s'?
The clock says 4 h 00 min
